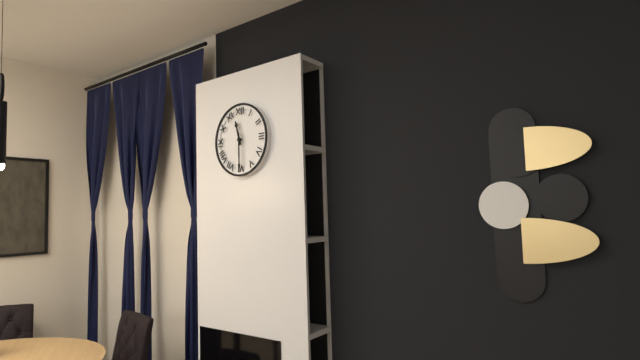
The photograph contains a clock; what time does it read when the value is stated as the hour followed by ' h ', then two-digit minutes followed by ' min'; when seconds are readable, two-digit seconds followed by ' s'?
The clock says 11 h 30 min
